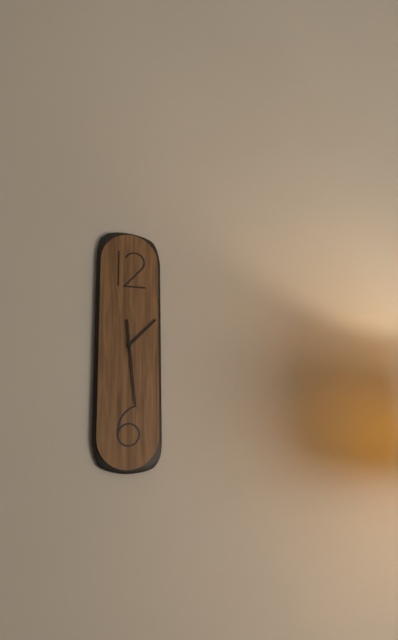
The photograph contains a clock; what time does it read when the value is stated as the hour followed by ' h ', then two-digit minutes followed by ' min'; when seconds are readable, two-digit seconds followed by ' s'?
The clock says 1 h 29 min
